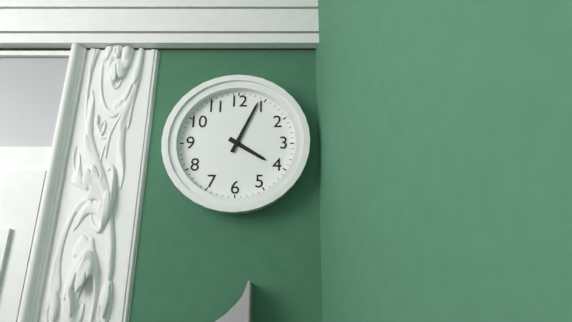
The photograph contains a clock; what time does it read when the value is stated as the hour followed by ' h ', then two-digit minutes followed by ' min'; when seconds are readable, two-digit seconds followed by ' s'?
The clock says 4 h 04 min
